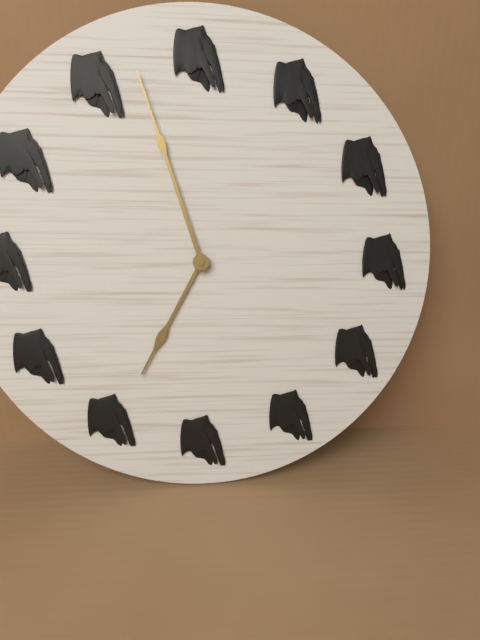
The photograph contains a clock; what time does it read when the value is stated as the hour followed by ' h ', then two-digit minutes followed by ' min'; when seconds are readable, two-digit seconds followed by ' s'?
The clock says 6 h 57 min
